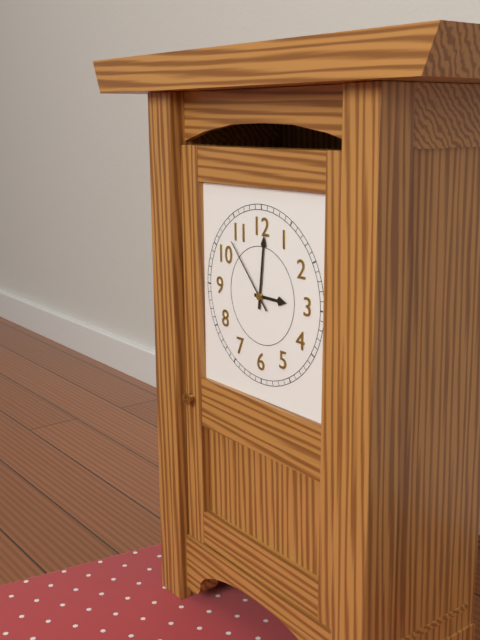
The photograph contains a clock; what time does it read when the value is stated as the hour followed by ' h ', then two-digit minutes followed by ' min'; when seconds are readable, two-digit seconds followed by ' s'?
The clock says 3 h 01 min 53 s
